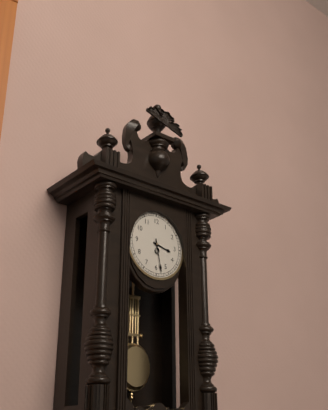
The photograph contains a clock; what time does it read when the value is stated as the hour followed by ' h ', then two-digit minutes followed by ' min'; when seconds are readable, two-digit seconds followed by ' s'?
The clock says 3 h 28 min
